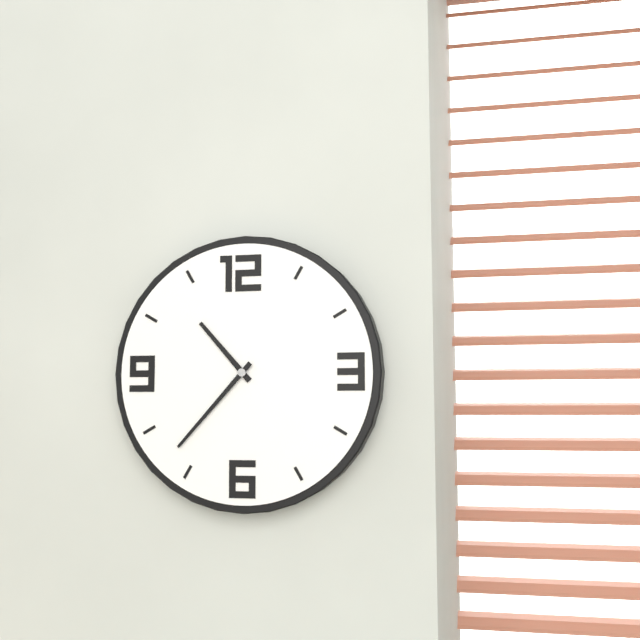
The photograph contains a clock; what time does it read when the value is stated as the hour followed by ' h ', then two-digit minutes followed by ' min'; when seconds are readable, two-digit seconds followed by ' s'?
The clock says 10 h 37 min
